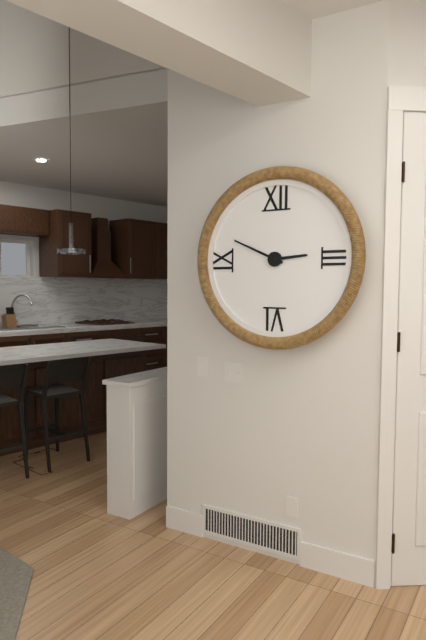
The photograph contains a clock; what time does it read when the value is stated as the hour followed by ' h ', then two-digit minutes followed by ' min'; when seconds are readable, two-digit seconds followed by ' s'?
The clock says 2 h 49 min
